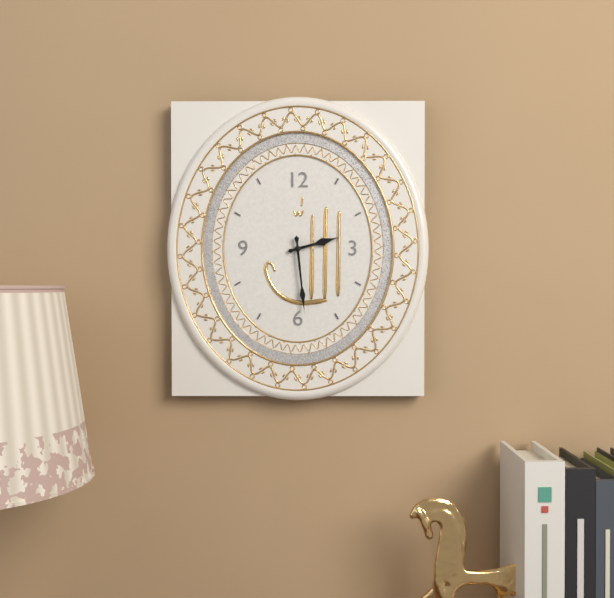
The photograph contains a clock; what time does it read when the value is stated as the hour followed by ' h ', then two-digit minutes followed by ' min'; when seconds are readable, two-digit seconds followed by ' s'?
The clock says 2 h 29 min
